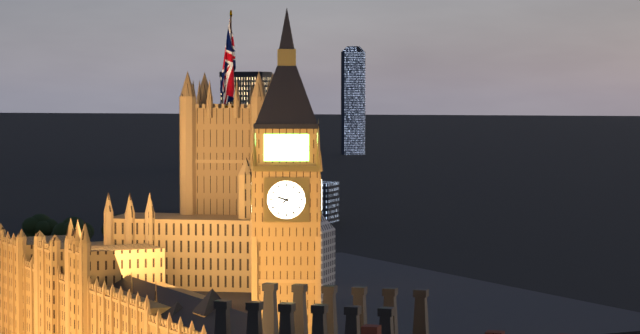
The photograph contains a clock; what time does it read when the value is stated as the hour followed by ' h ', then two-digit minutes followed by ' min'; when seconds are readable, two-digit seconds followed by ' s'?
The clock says 9 h 38 min
